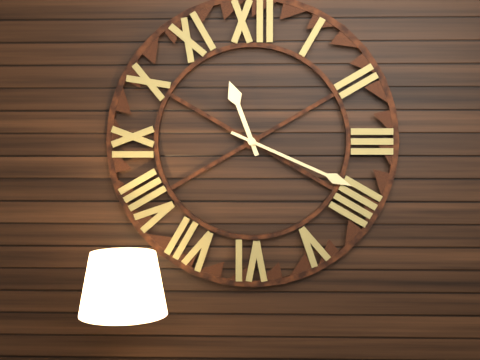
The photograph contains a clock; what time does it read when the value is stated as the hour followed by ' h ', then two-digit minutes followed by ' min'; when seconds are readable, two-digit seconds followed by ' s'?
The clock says 11 h 19 min
